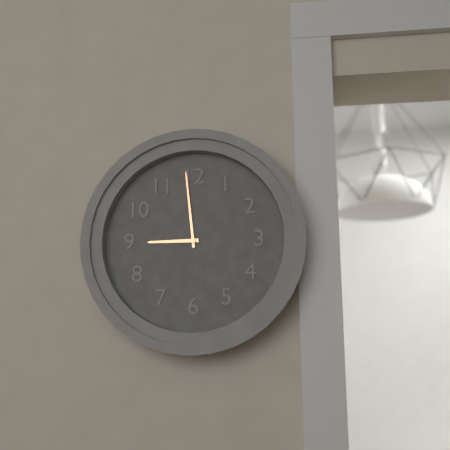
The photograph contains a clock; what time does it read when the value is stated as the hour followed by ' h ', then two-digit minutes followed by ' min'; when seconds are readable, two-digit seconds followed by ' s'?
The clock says 8 h 59 min
